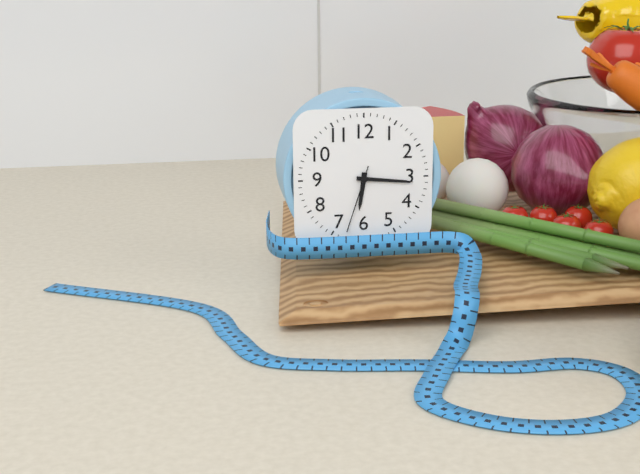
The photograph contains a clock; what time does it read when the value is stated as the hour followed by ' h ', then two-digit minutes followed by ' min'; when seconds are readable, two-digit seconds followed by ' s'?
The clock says 6 h 16 min 33 s
